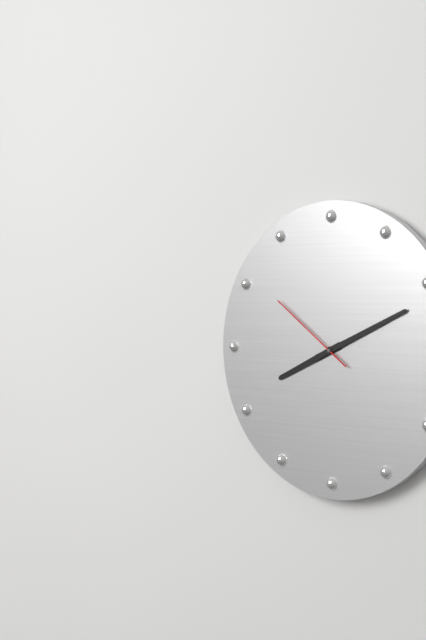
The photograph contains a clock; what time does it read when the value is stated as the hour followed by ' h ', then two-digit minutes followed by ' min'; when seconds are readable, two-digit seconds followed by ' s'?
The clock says 8 h 11 min 51 s
